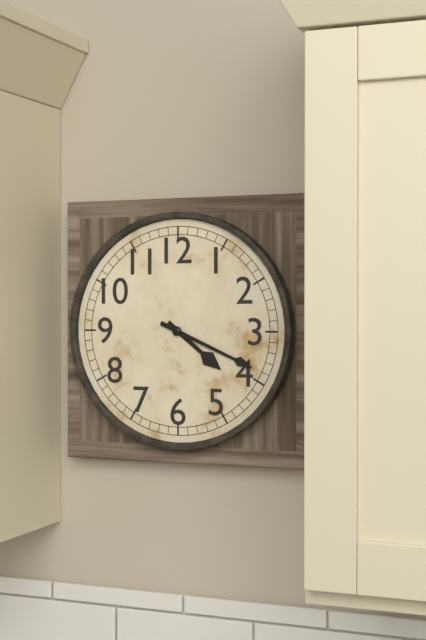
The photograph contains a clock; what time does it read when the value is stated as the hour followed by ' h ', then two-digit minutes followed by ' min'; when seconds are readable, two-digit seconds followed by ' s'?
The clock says 4 h 19 min
